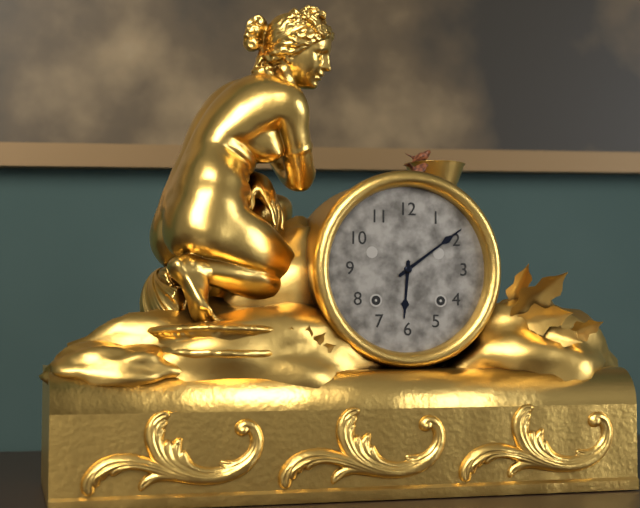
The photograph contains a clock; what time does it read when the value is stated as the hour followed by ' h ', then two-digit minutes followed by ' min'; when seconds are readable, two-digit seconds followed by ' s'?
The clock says 6 h 09 min
